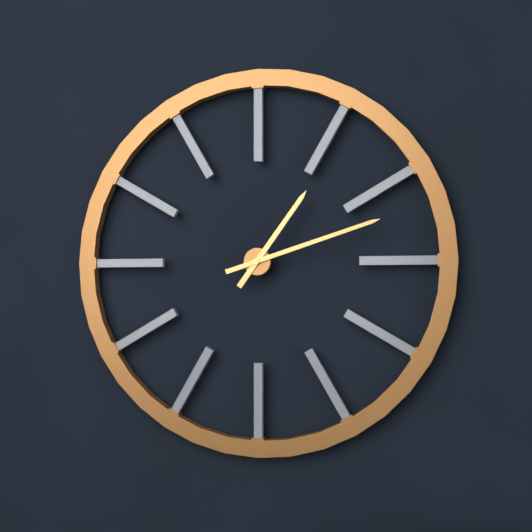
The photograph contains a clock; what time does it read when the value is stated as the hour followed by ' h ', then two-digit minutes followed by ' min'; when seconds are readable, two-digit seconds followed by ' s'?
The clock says 1 h 12 min
